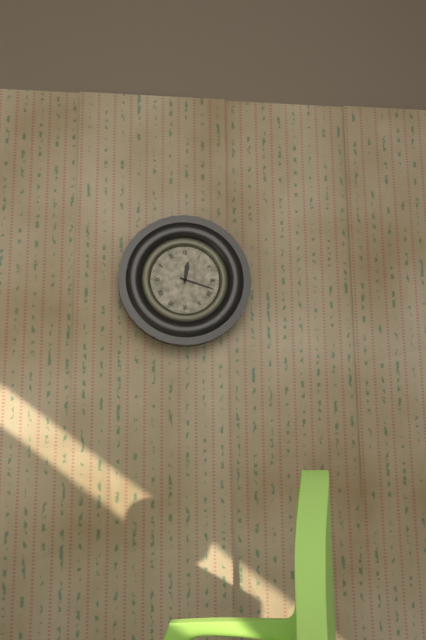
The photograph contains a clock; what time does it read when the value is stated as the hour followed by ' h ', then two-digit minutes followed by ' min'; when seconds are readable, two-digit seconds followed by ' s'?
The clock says 12 h 18 min
